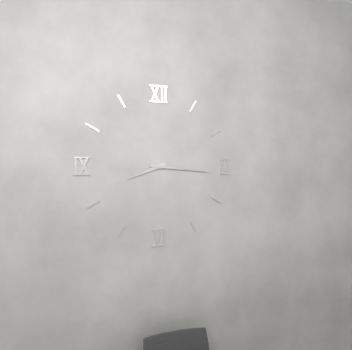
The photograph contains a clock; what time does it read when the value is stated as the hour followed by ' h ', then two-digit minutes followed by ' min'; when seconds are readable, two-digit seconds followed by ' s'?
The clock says 8 h 16 min
